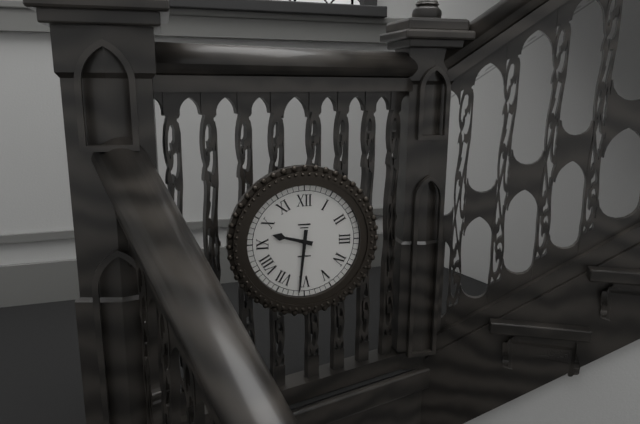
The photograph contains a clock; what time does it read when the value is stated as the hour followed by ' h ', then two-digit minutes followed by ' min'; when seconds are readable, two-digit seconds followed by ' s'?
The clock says 9 h 31 min
